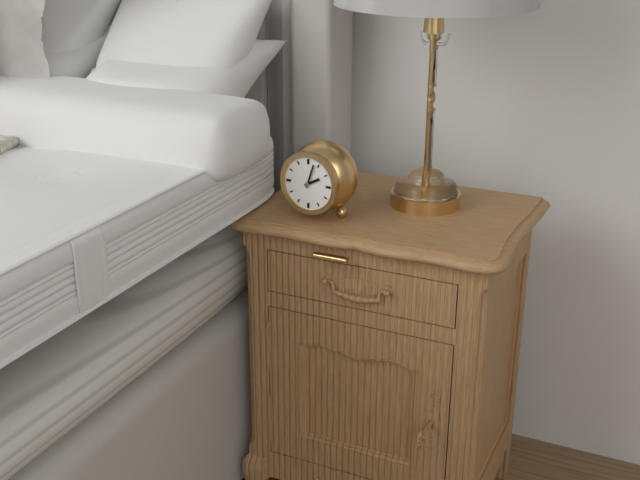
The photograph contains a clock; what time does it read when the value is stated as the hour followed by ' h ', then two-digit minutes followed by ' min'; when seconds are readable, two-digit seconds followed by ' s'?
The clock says 2 h 03 min
